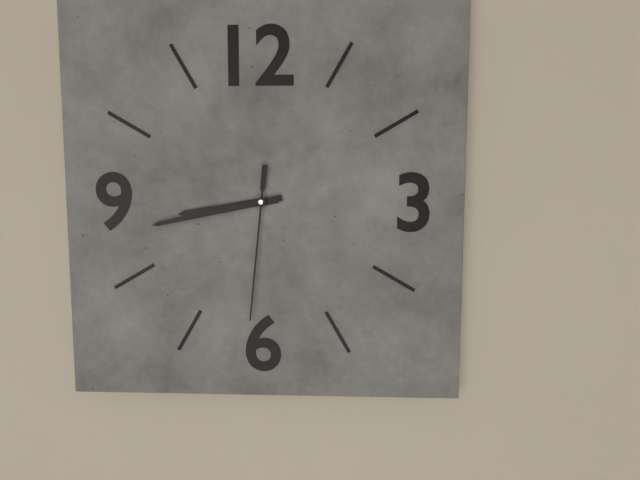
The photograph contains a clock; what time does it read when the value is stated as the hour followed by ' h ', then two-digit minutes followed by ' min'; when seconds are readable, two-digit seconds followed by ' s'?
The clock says 8 h 43 min 31 s
